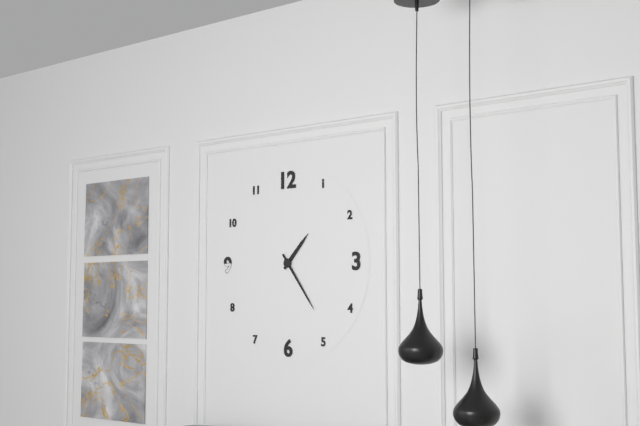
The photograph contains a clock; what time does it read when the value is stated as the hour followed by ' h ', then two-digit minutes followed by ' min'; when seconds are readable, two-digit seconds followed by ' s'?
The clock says 1 h 24 min
